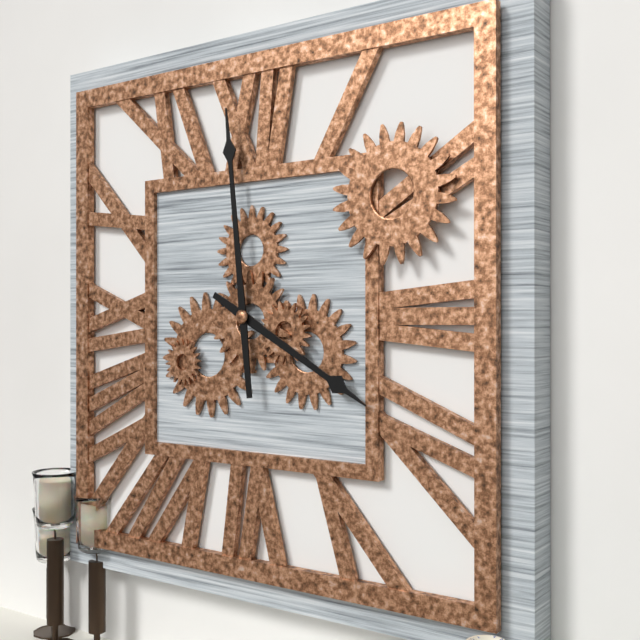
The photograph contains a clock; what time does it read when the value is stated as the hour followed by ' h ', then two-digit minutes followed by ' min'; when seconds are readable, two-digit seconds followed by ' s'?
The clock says 3 h 59 min
